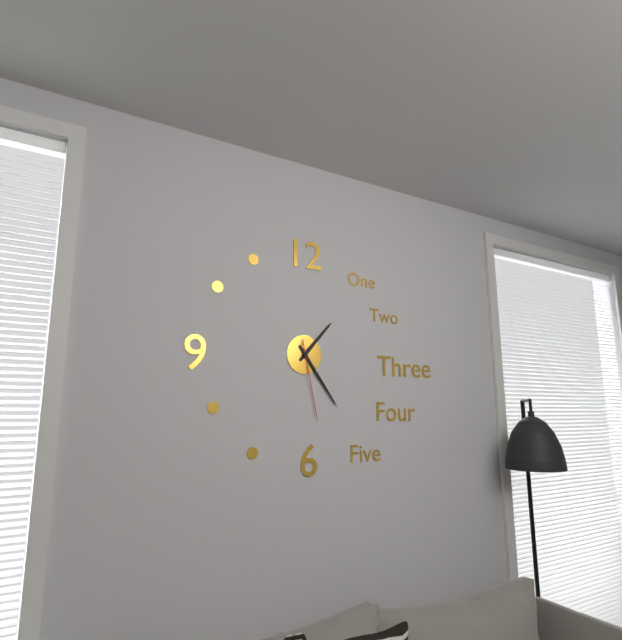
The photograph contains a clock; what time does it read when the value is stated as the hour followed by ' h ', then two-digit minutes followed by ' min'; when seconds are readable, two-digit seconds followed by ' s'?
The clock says 1 h 24 min 28 s
